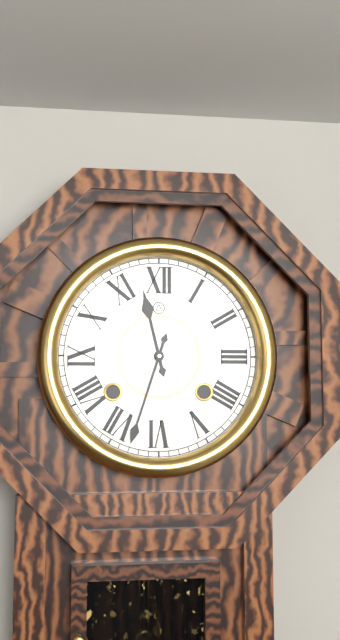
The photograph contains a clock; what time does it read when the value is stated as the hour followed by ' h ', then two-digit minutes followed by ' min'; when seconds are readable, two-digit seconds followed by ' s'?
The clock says 11 h 33 min
